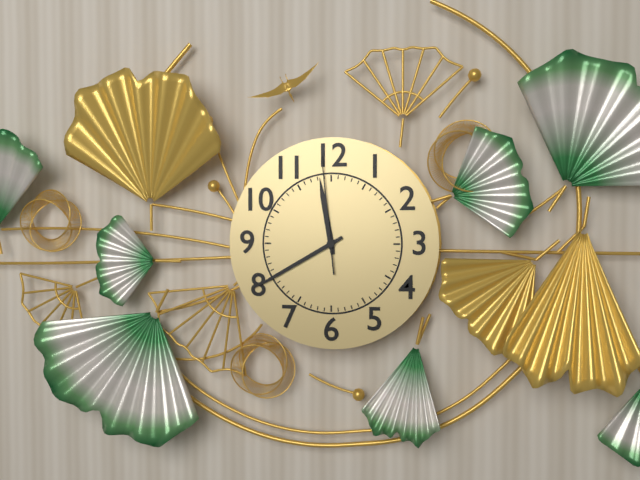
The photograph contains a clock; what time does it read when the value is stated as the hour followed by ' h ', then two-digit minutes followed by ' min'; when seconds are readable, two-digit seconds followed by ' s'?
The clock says 11 h 40 min 59 s
